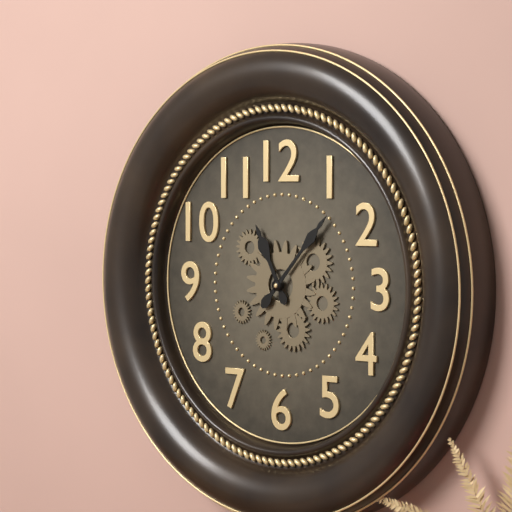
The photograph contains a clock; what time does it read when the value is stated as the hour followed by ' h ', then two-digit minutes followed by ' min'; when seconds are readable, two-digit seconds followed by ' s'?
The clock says 11 h 07 min
